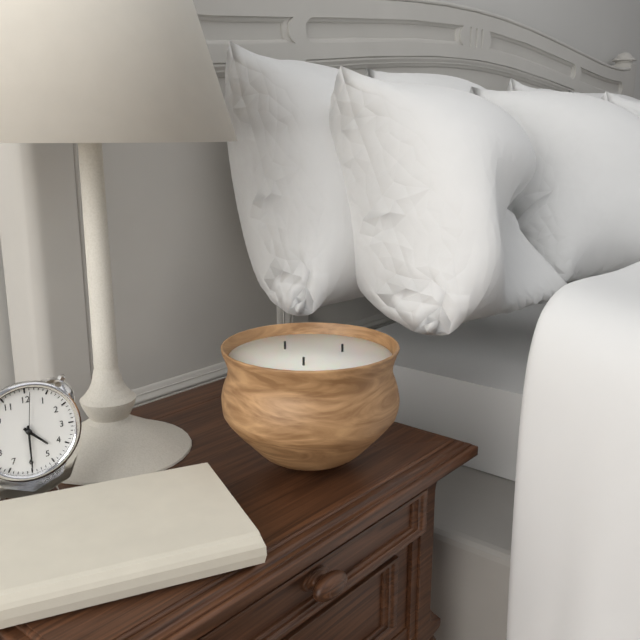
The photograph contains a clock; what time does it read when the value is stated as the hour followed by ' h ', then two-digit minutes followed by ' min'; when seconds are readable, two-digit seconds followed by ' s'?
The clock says 4 h 30 min
